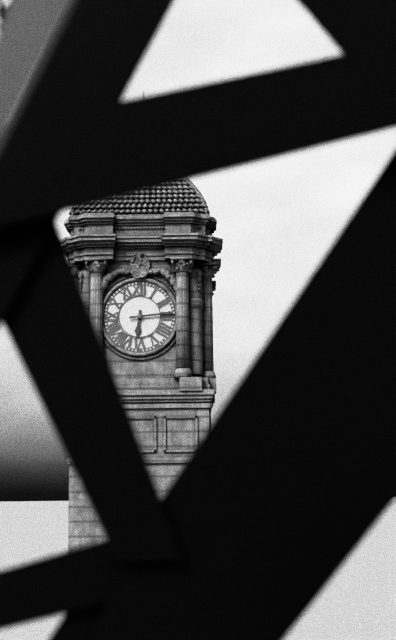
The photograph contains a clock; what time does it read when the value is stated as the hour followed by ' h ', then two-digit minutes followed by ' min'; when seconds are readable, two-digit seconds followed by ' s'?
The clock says 6 h 14 min
